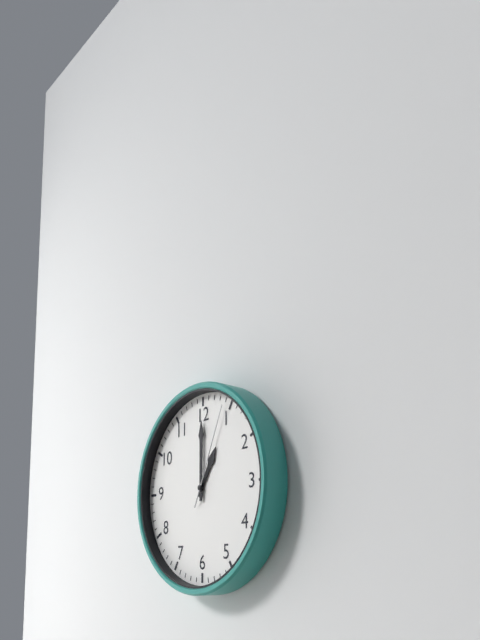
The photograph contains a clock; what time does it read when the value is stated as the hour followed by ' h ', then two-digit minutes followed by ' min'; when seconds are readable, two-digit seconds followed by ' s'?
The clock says 1 h 00 min 04 s
